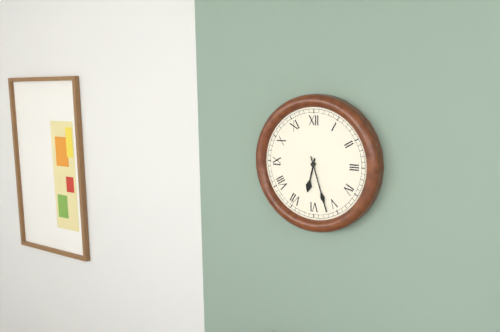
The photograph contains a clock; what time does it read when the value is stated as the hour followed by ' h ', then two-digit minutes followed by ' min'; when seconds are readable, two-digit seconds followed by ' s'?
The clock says 6 h 27 min
